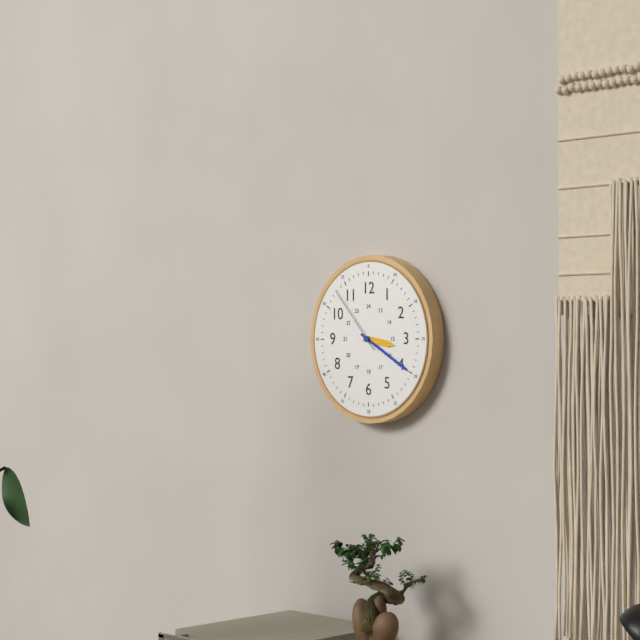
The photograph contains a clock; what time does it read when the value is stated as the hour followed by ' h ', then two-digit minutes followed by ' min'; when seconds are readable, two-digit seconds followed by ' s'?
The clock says 3 h 20 min 53 s
